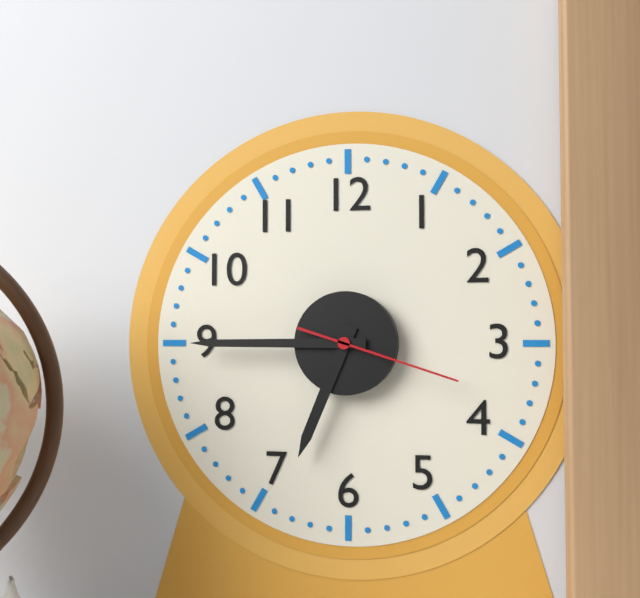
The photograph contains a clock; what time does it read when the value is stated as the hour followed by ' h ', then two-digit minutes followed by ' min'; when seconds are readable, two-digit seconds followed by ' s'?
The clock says 6 h 45 min 18 s
